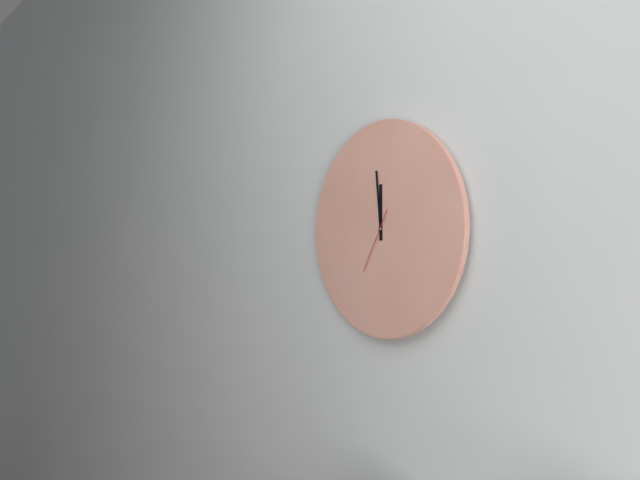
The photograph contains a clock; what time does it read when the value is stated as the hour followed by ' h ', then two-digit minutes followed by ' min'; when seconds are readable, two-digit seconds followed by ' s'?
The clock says 11 h 59 min 35 s
